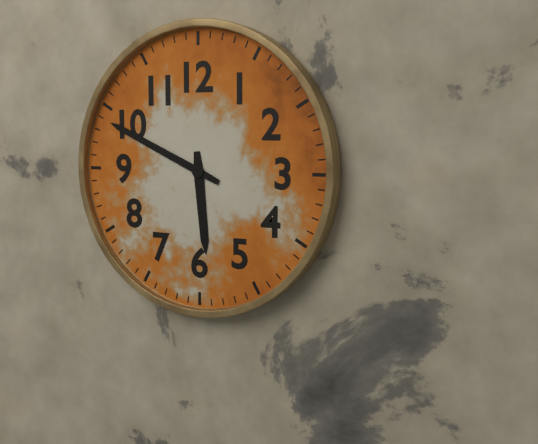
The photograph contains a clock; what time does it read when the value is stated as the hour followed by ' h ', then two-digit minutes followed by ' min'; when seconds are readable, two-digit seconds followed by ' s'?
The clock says 5 h 49 min
